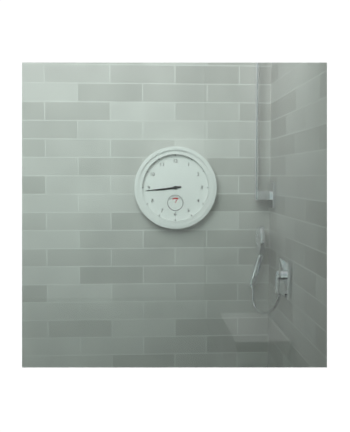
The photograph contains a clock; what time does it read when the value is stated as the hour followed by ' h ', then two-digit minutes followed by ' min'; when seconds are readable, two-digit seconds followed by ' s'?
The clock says 8 h 44 min
